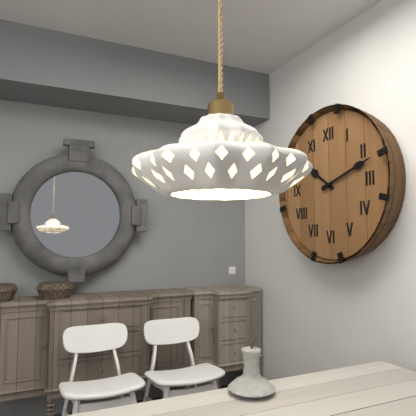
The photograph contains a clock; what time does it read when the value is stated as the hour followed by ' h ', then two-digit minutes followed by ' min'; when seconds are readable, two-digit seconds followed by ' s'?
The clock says 10 h 12 min
